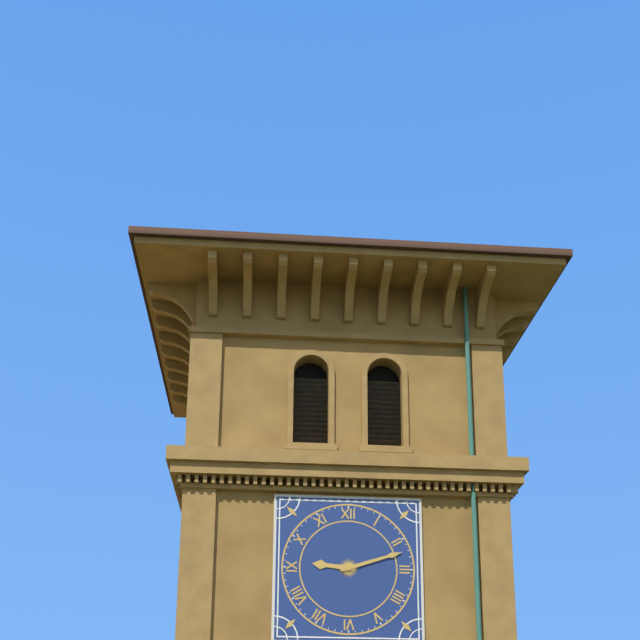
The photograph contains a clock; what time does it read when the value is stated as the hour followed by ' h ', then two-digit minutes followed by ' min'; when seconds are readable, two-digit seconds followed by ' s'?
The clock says 9 h 12 min
